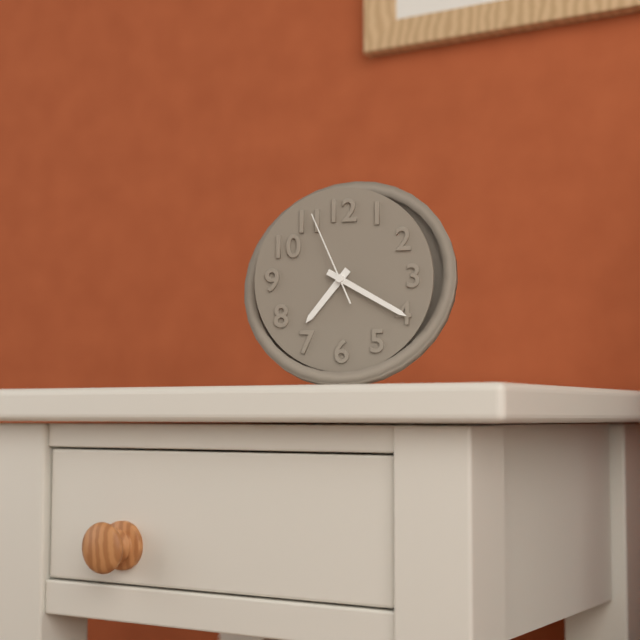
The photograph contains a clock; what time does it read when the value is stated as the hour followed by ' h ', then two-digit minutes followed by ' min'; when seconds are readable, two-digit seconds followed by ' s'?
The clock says 7 h 20 min 56 s
